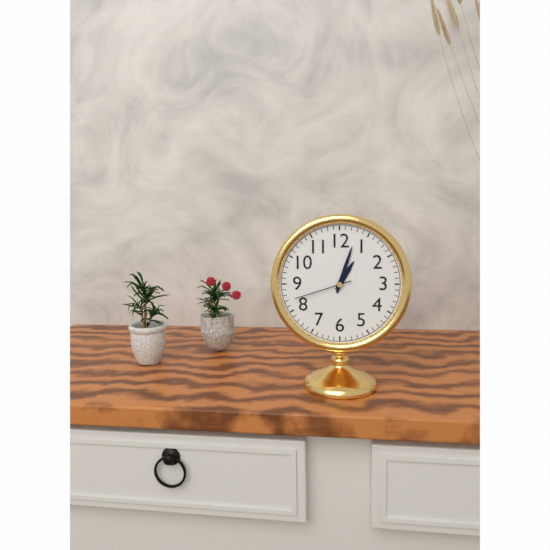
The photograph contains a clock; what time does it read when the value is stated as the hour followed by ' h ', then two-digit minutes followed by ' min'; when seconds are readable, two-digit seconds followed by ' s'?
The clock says 1 h 03 min 42 s
